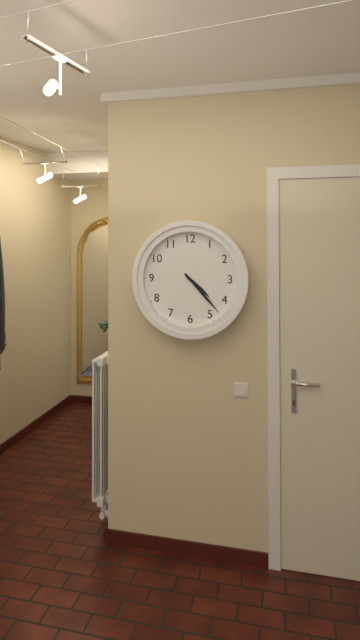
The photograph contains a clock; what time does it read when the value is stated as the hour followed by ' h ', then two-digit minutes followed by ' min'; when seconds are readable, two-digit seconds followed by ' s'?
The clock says 4 h 23 min
